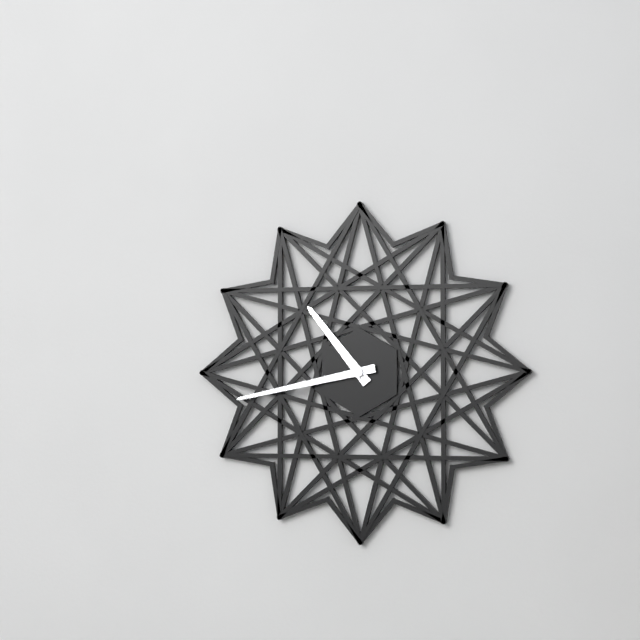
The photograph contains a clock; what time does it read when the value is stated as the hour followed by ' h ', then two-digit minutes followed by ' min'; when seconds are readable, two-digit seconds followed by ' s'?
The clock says 10 h 43 min
